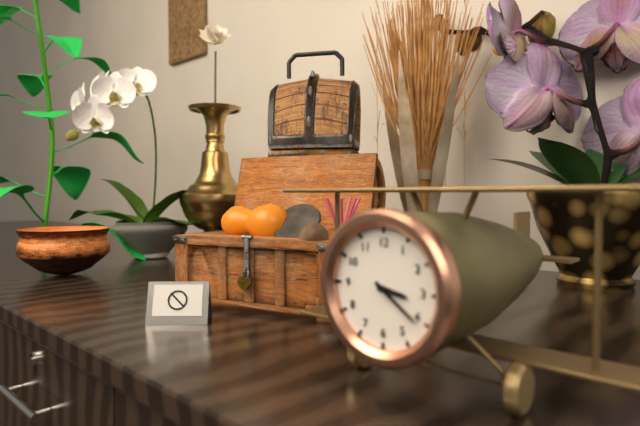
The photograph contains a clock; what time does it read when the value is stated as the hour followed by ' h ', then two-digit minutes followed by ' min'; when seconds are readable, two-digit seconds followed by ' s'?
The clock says 3 h 21 min
